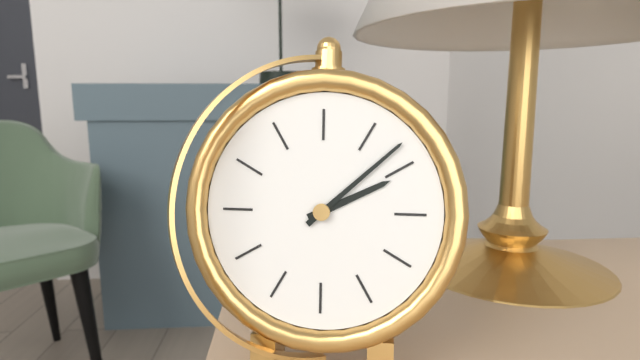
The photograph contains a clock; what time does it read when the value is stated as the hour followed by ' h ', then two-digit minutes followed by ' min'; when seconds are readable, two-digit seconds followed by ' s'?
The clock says 2 h 08 min
